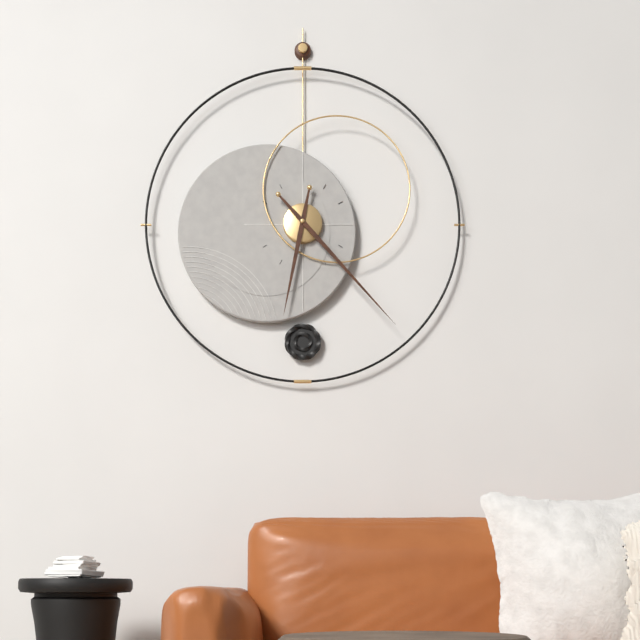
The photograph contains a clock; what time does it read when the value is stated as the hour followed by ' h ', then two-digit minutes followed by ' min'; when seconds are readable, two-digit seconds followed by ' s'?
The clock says 6 h 23 min
